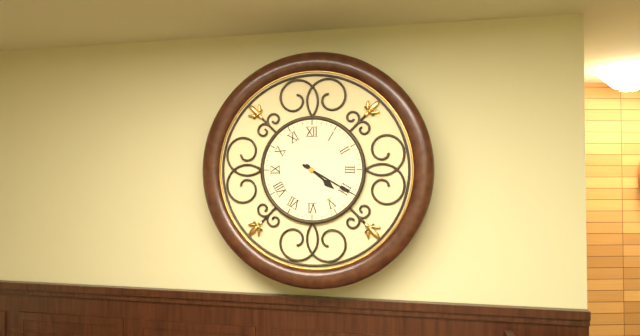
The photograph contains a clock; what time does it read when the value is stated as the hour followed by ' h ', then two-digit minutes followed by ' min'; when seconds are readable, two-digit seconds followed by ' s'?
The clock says 4 h 20 min
